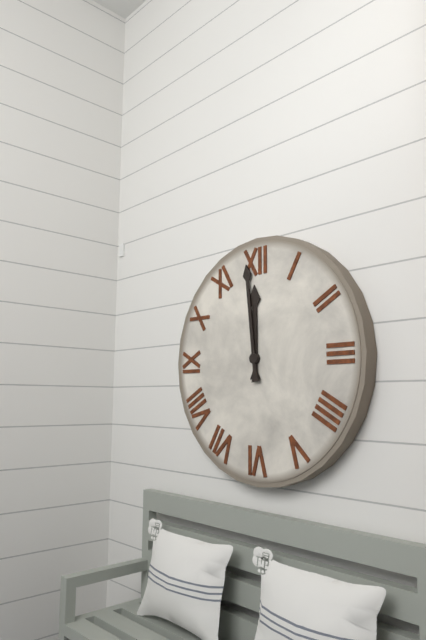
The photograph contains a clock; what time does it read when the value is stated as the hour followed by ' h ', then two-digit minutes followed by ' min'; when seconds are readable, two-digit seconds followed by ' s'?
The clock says 11 h 59 min
